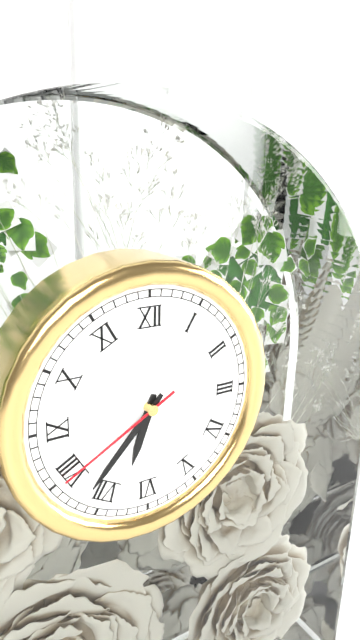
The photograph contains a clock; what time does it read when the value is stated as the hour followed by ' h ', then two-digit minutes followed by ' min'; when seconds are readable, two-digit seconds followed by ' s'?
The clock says 6 h 37 min 40 s
